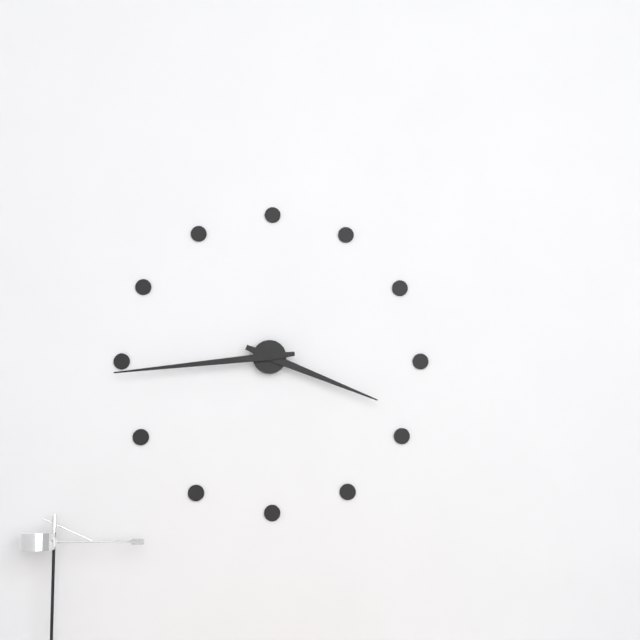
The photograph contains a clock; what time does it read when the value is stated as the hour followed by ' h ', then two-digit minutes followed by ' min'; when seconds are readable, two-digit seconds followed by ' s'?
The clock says 3 h 44 min
